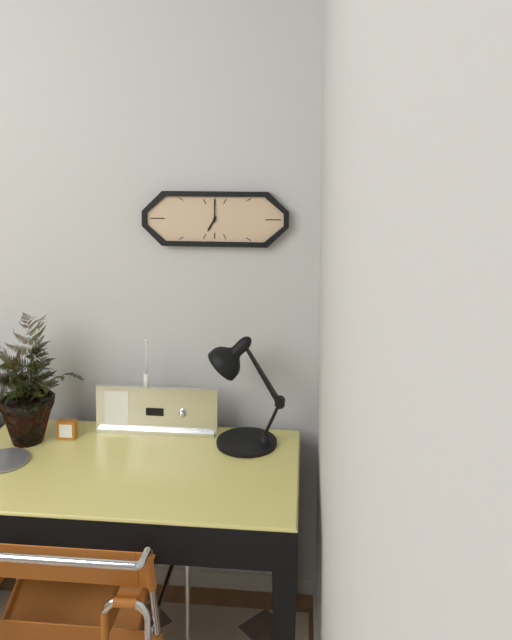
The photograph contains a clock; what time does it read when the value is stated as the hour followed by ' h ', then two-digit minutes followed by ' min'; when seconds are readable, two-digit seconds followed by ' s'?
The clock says 7 h 00 min
